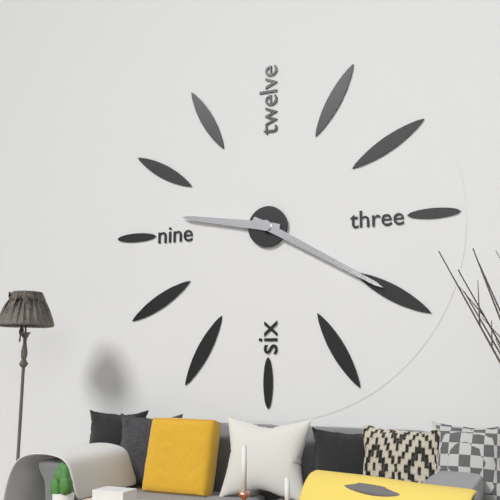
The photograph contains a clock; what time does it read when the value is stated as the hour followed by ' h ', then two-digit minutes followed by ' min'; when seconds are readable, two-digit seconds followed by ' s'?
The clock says 9 h 20 min
